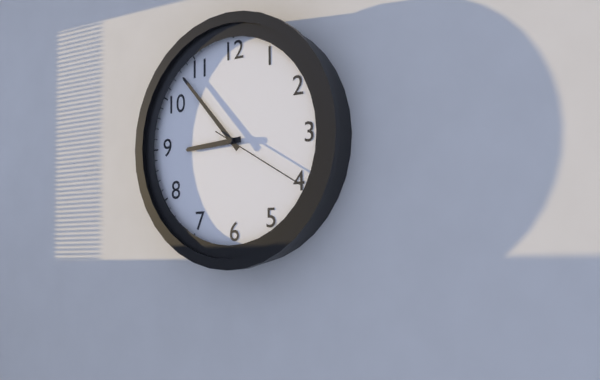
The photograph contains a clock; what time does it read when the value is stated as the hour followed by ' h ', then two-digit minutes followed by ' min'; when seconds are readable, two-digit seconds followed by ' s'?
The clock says 8 h 53 min 20 s
